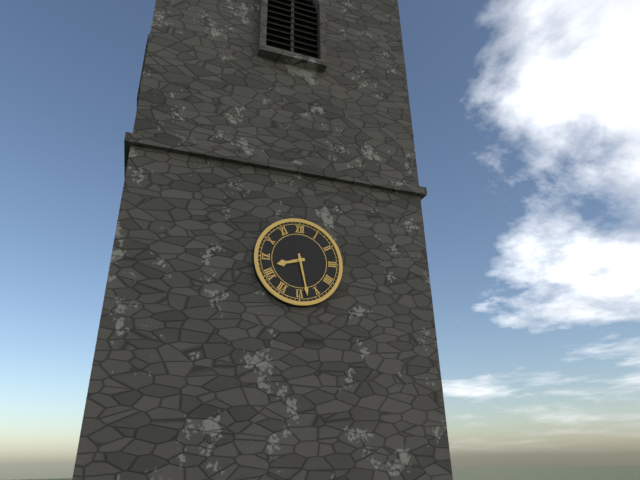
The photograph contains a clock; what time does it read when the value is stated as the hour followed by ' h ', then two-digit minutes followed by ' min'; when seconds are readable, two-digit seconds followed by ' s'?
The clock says 8 h 28 min
